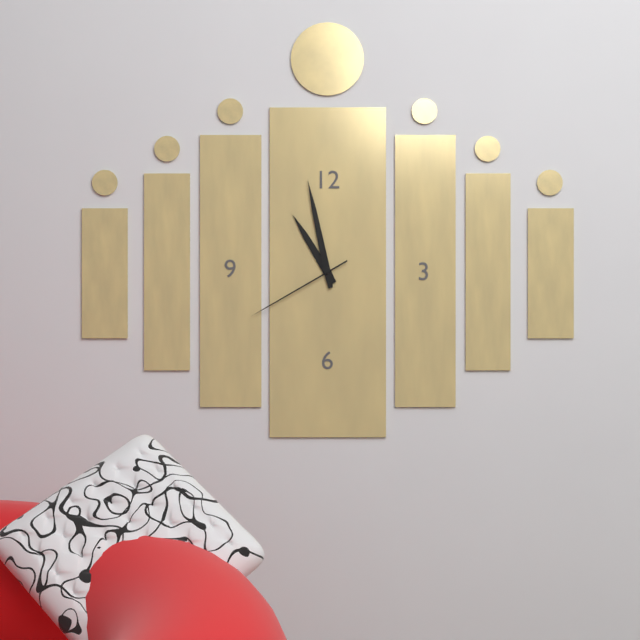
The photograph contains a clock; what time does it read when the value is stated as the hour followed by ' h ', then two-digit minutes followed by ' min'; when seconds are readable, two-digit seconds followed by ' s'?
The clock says 10 h 58 min 40 s
